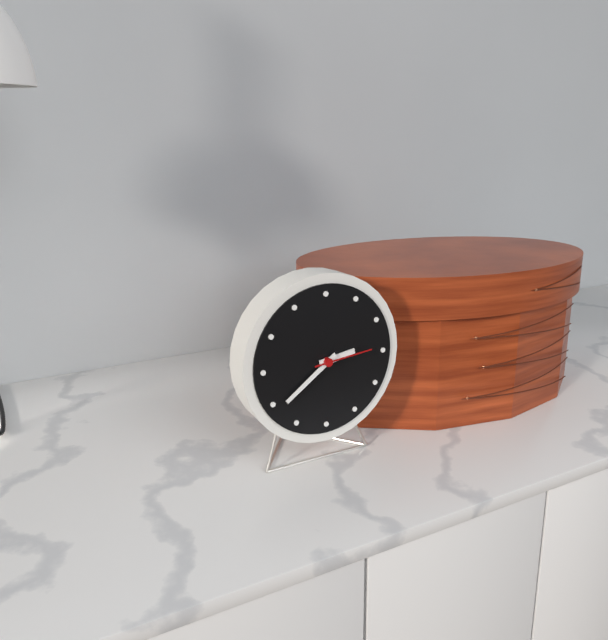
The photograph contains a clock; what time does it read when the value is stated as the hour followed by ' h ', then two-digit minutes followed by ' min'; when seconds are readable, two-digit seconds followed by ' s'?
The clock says 2 h 39 min 14 s
